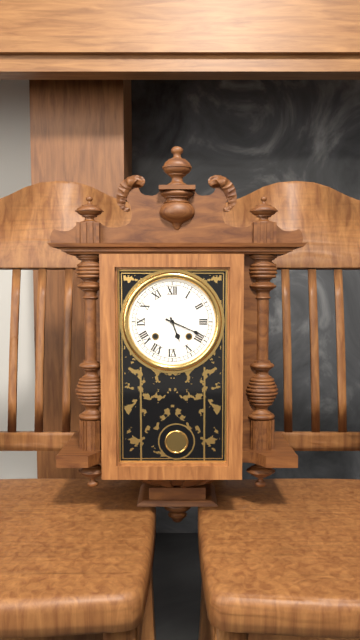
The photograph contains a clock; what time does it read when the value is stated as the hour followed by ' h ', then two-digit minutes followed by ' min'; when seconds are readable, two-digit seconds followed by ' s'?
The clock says 5 h 19 min
